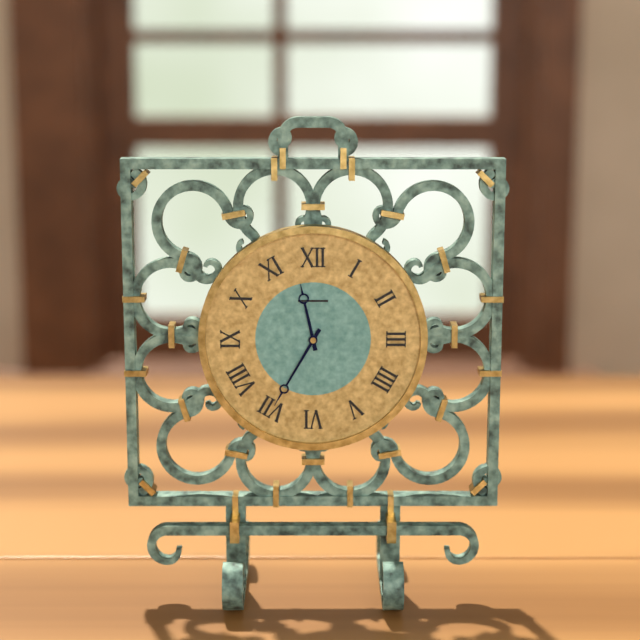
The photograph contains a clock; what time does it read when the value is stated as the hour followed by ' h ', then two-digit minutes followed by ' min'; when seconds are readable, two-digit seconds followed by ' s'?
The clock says 11 h 35 min
